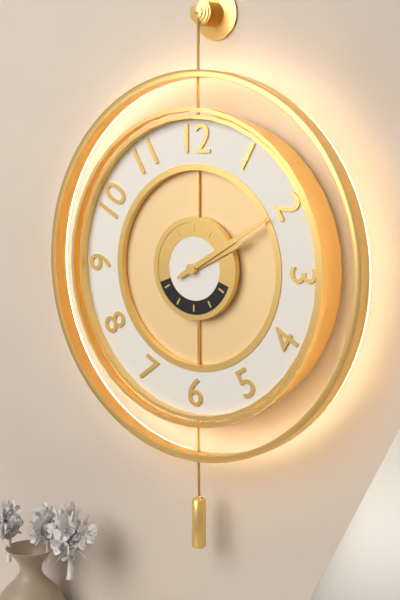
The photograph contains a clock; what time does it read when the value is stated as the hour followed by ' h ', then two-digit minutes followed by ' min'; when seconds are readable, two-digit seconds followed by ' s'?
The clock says 2 h 10 min
